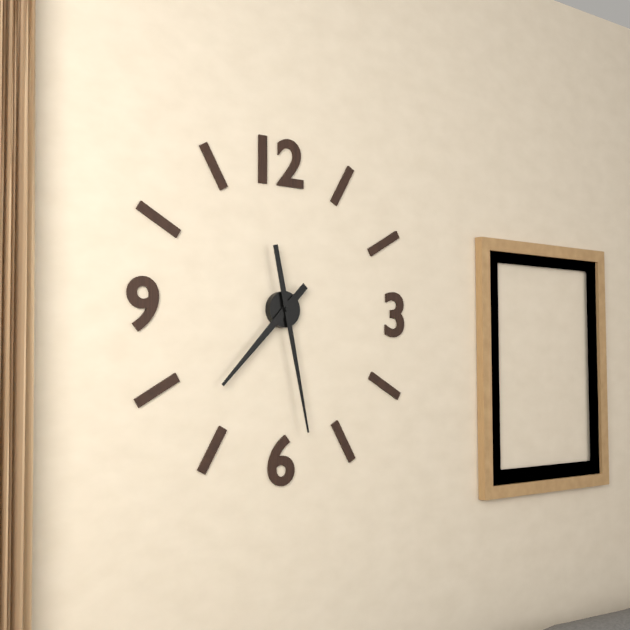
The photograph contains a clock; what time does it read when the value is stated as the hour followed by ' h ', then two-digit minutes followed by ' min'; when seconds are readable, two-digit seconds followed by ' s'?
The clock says 7 h 28 min
